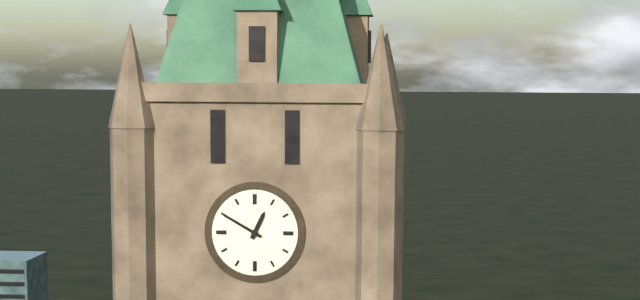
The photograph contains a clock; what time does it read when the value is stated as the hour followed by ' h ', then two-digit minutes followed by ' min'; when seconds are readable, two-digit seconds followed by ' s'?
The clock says 12 h 50 min
